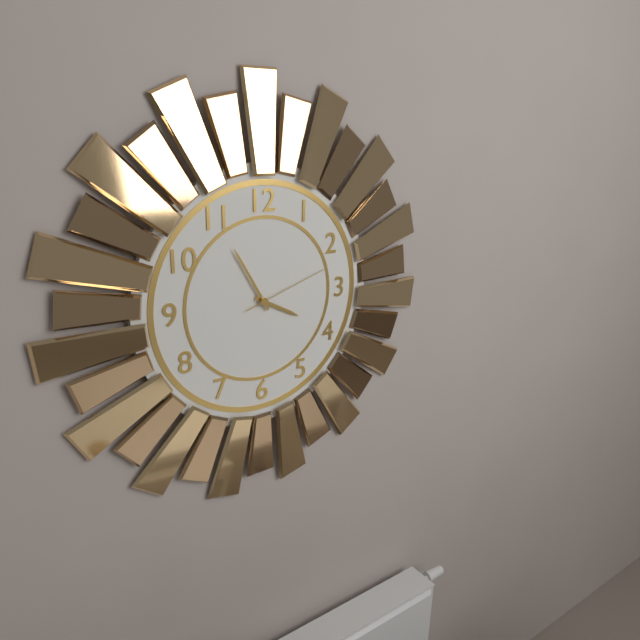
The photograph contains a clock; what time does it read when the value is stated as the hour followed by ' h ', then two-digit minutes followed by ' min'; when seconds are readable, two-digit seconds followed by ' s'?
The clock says 3 h 55 min 12 s
